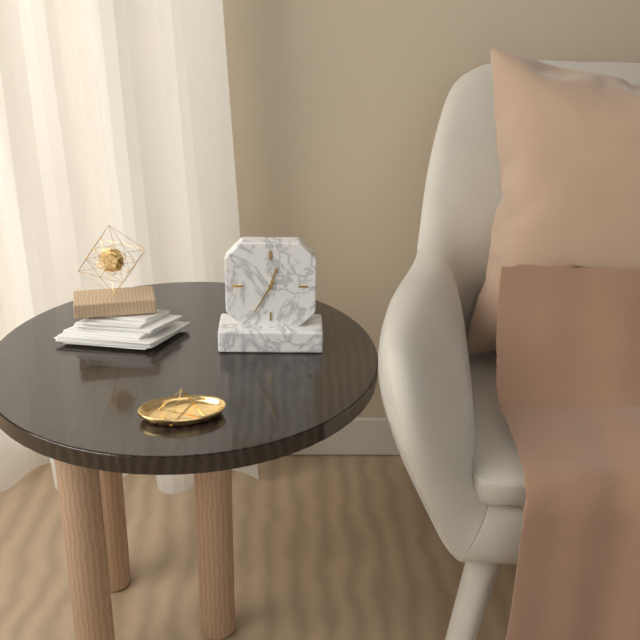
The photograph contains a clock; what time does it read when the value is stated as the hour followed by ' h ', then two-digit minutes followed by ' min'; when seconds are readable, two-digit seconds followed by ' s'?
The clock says 12 h 35 min
